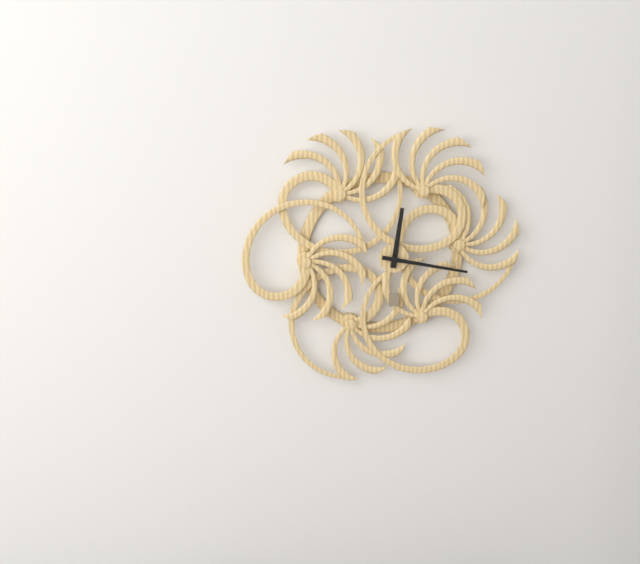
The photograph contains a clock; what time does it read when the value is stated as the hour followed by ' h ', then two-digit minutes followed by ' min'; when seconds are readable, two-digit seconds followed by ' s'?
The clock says 12 h 17 min
